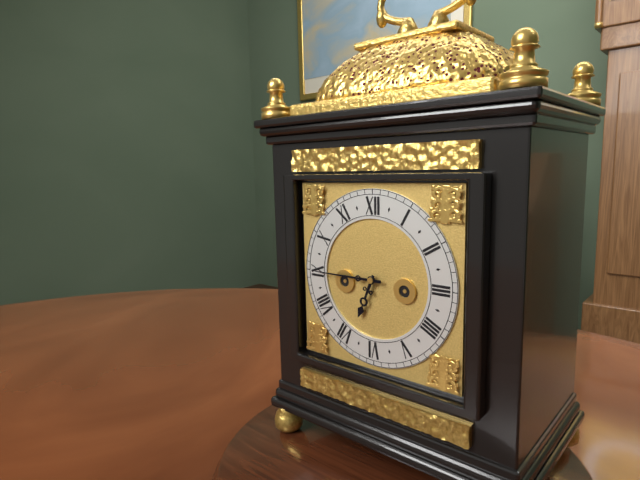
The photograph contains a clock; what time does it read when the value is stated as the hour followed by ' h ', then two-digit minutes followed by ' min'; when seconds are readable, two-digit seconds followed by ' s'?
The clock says 6 h 45 min
